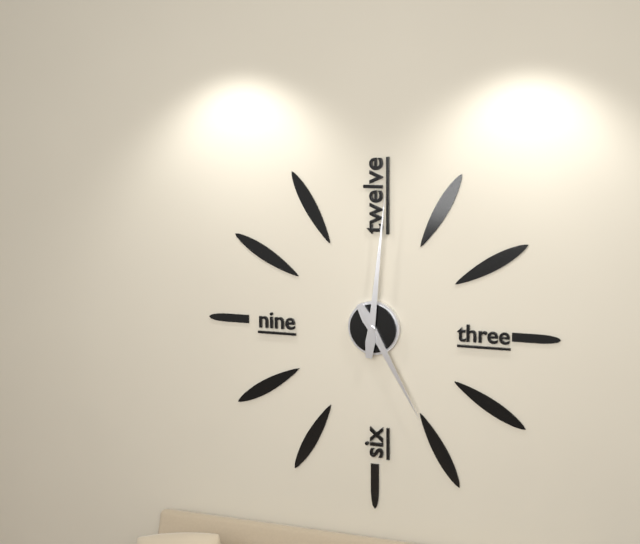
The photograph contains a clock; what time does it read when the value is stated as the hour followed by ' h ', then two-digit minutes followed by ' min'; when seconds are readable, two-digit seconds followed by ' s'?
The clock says 5 h 01 min
